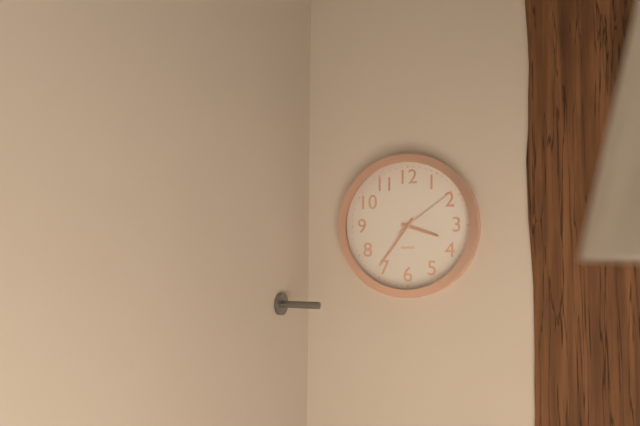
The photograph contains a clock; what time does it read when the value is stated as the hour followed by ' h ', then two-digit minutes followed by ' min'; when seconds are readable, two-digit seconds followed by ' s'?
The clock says 3 h 36 min 09 s
